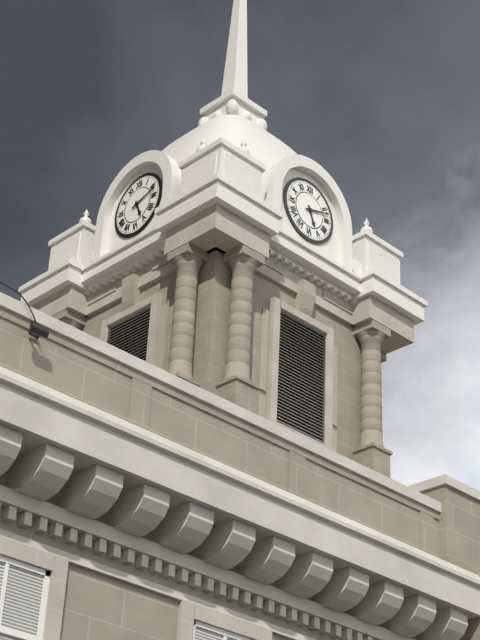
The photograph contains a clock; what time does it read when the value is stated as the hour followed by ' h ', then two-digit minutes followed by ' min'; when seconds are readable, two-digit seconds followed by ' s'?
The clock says 5 h 12 min
